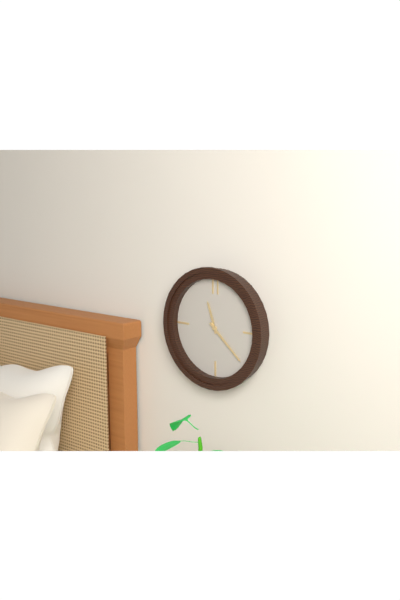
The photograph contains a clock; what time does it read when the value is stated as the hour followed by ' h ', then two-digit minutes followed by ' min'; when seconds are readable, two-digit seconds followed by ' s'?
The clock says 11 h 22 min
